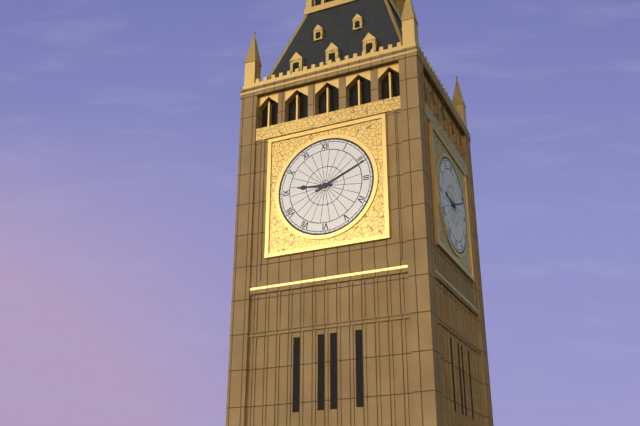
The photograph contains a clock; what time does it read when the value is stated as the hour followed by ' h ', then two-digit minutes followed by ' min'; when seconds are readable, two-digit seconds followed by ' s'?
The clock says 9 h 11 min
